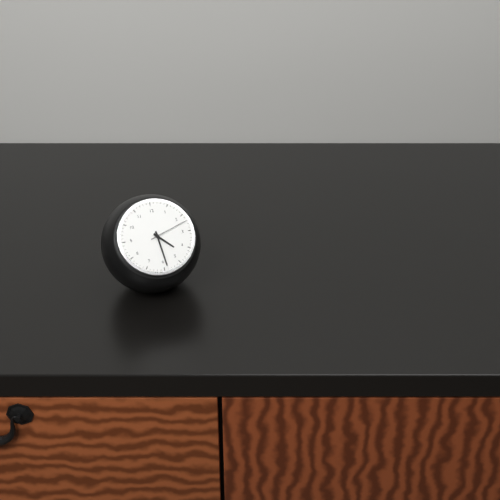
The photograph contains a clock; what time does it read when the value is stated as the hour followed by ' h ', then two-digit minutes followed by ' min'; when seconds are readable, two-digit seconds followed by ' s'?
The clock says 4 h 29 min
